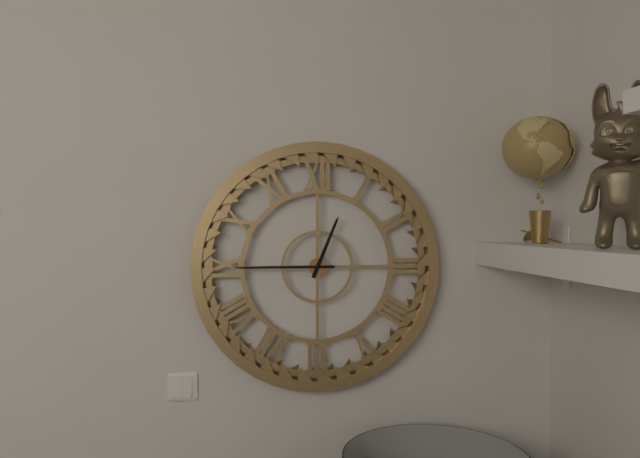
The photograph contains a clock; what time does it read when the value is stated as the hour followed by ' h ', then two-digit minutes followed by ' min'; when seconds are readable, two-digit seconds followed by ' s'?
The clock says 12 h 45 min
